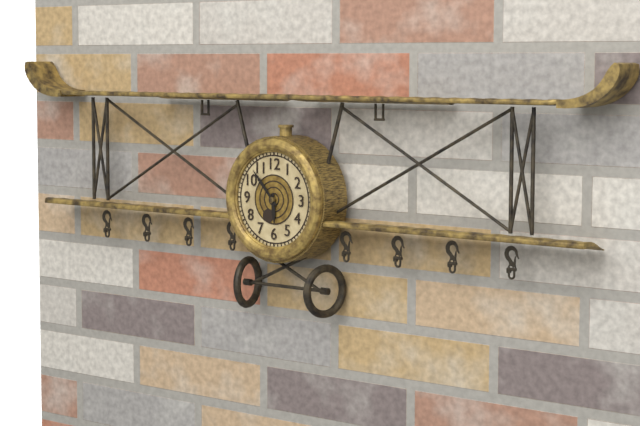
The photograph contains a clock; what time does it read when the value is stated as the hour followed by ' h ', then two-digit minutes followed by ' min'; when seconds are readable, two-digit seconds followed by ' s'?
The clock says 5 h 53 min
